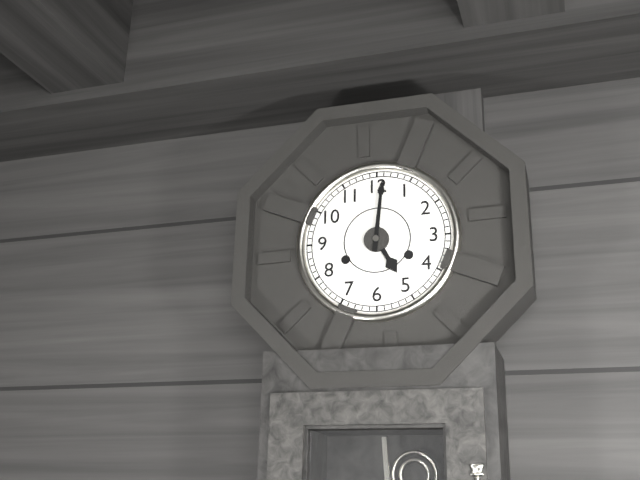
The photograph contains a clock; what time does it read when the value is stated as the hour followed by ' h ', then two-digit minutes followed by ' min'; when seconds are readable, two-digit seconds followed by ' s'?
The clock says 5 h 01 min
